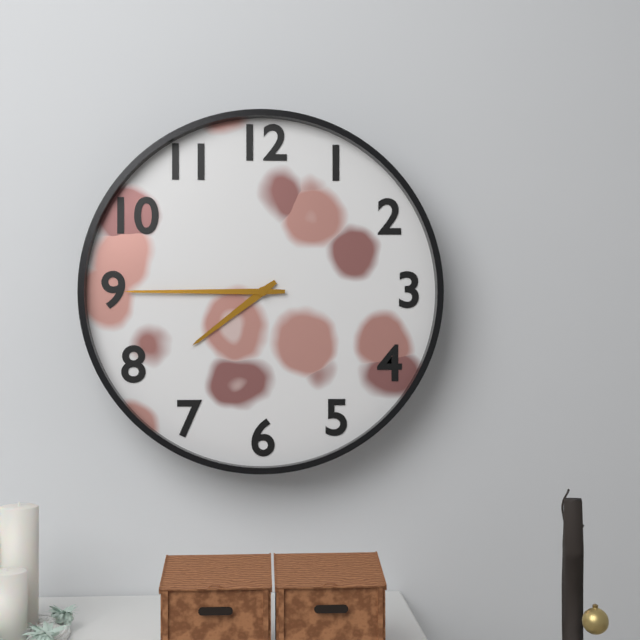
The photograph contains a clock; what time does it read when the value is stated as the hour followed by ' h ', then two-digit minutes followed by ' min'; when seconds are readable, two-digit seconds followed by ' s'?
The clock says 7 h 45 min
